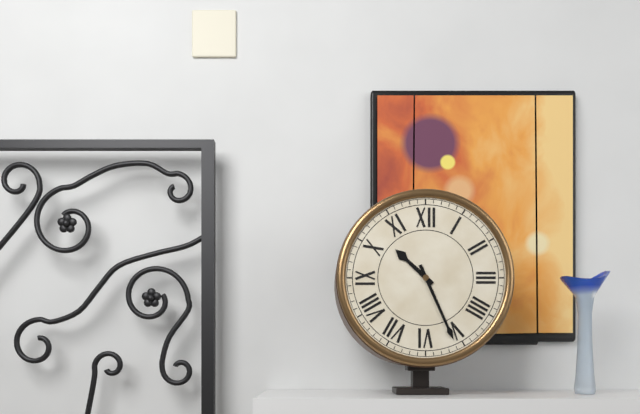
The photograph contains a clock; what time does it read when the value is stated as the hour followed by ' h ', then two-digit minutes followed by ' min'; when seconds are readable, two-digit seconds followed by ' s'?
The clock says 10 h 26 min
